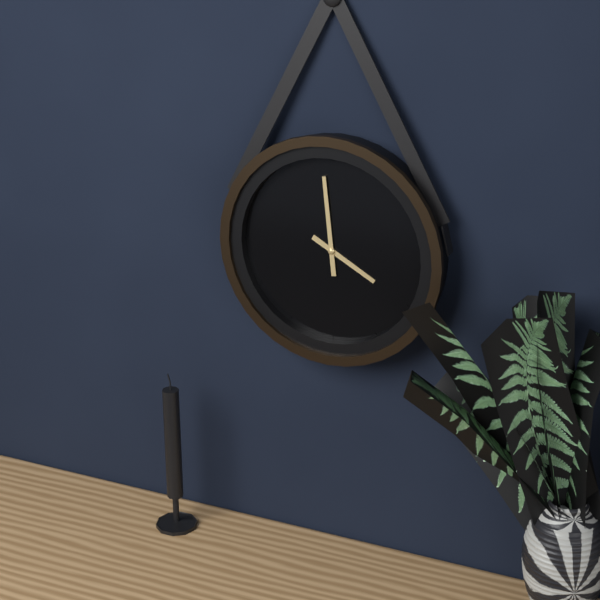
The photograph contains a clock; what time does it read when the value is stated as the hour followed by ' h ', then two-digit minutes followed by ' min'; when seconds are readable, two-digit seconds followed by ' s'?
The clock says 3 h 59 min
